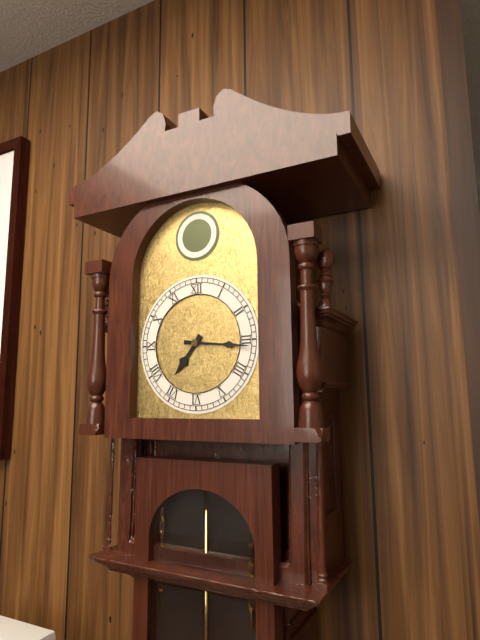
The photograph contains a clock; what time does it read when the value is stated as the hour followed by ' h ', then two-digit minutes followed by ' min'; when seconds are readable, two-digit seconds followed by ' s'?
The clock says 7 h 16 min
